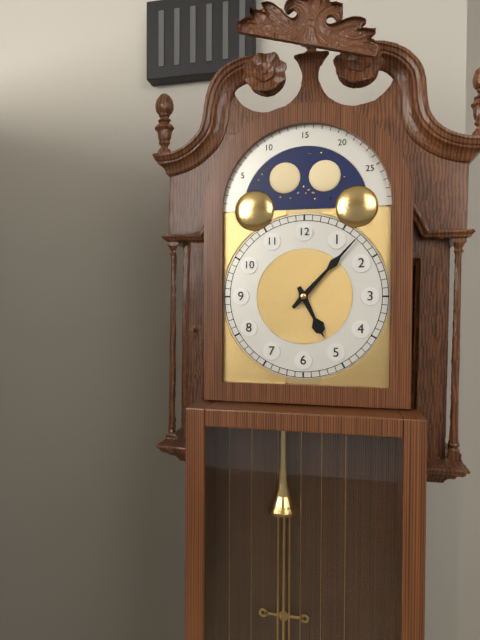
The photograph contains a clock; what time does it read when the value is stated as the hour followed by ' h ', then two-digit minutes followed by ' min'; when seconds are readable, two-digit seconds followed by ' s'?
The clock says 5 h 07 min
